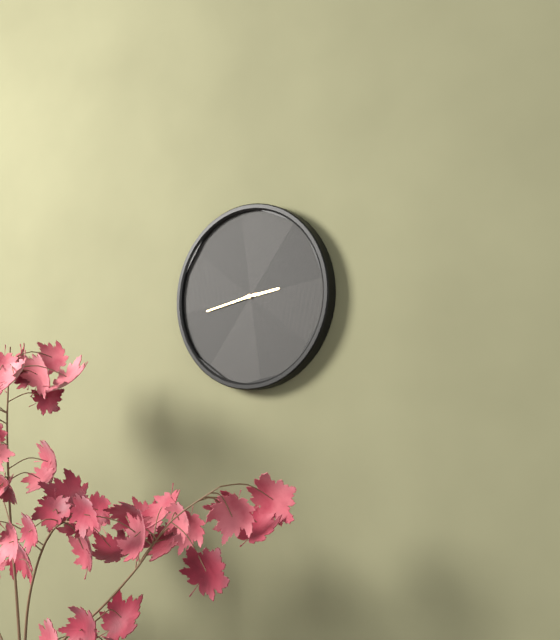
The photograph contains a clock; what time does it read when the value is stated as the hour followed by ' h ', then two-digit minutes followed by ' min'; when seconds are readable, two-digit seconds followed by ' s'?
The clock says 2 h 43 min
